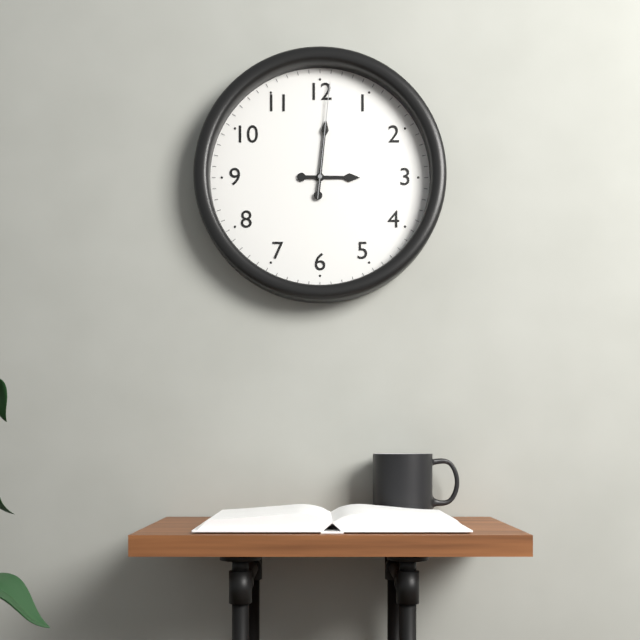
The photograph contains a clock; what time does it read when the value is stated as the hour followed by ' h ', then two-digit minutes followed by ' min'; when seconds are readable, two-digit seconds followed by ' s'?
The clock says 3 h 01 min 01 s
